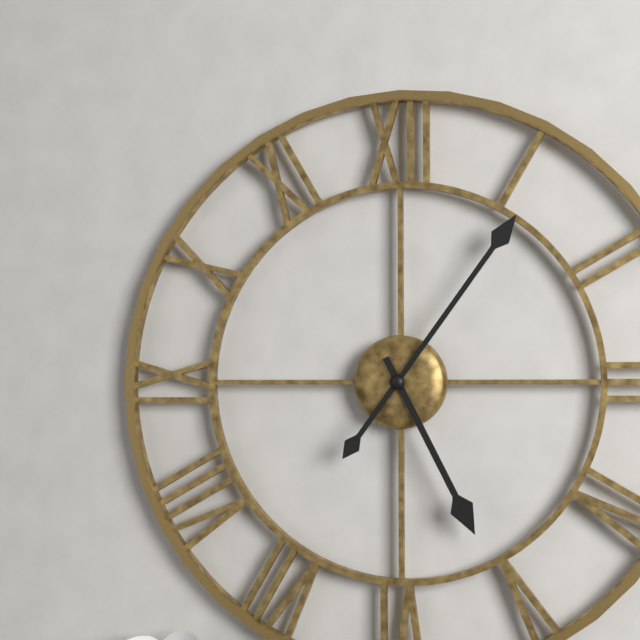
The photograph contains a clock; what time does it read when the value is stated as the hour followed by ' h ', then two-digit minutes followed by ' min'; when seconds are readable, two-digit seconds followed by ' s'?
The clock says 5 h 06 min
